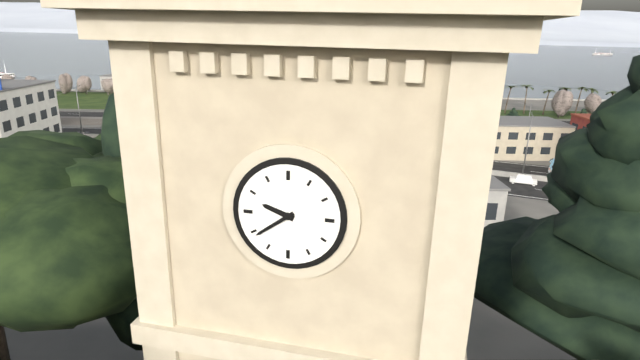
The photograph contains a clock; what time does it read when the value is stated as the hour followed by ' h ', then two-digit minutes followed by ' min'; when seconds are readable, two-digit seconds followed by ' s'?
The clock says 9 h 39 min
